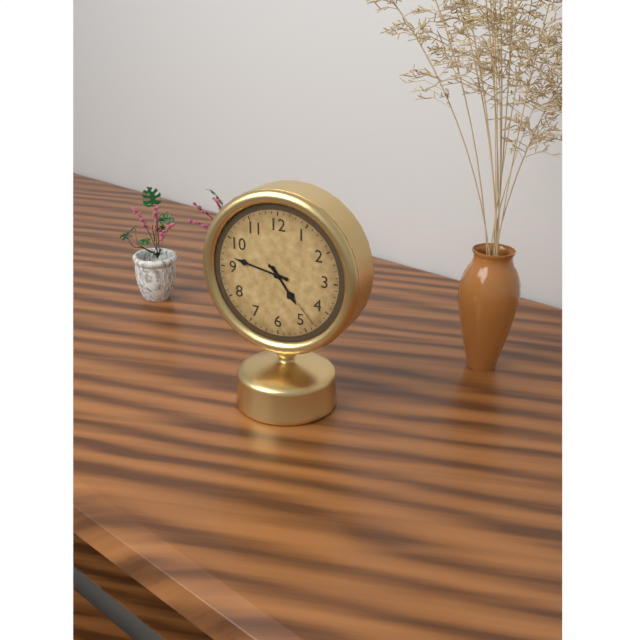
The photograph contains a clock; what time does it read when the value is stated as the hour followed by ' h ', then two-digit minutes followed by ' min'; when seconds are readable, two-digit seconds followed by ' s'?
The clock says 4 h 47 min 23 s
